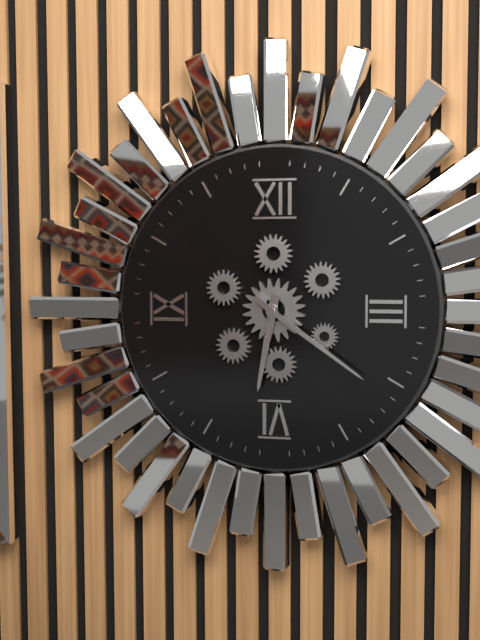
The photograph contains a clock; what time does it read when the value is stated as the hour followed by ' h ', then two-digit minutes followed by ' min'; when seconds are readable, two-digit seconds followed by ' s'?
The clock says 6 h 21 min
